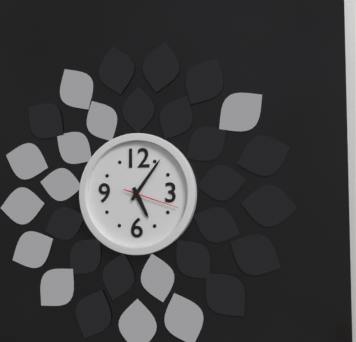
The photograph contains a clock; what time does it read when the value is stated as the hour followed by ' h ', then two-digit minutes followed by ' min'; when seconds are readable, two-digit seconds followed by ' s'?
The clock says 5 h 06 min 18 s
